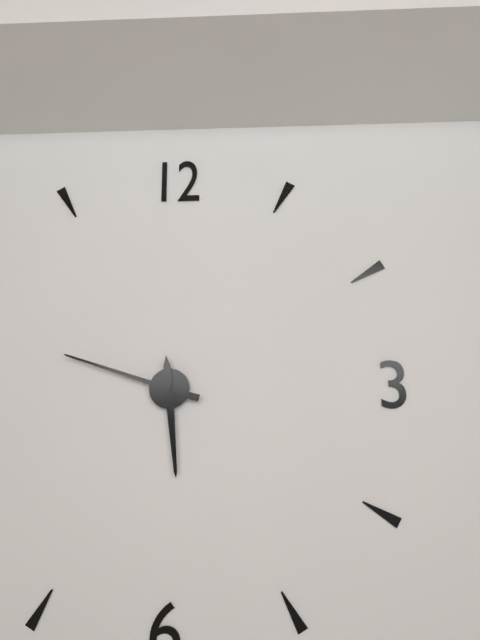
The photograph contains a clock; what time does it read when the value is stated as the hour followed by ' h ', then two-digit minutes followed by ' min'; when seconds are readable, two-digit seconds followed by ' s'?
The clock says 5 h 48 min
